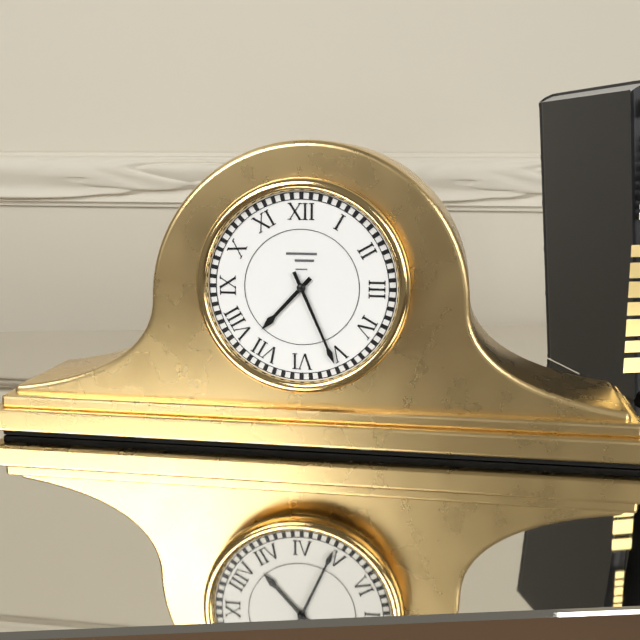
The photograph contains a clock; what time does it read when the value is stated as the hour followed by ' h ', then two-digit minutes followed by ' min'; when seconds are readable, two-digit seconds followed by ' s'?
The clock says 7 h 26 min
